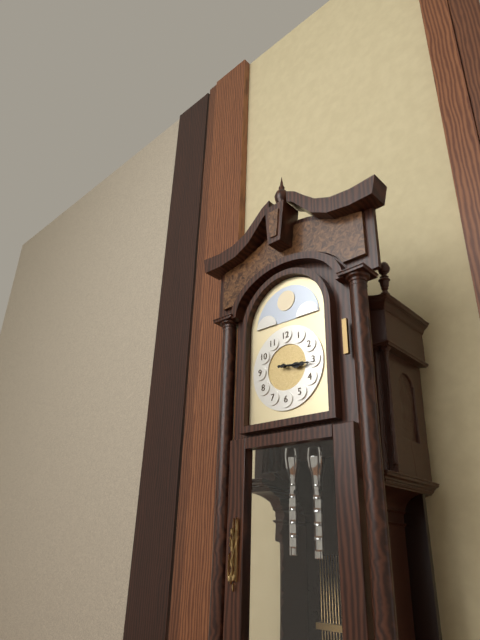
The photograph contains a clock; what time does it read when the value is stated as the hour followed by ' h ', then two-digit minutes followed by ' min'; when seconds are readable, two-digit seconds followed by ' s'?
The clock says 3 h 16 min
